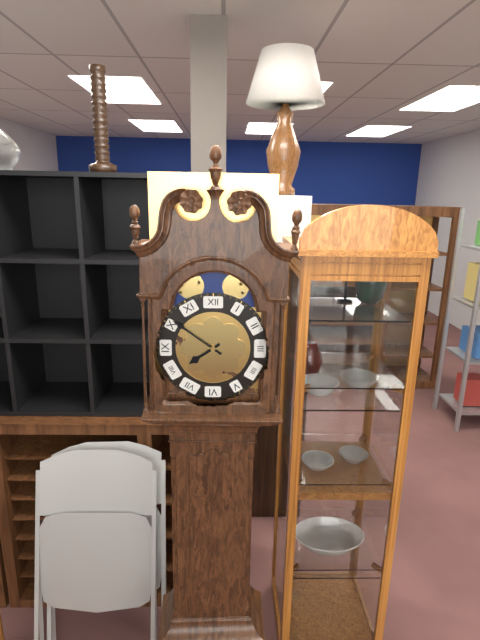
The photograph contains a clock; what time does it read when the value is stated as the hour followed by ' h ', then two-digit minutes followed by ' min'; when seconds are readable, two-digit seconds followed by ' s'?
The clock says 7 h 51 min
